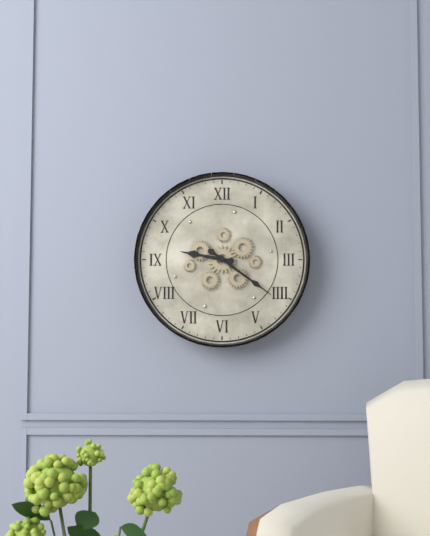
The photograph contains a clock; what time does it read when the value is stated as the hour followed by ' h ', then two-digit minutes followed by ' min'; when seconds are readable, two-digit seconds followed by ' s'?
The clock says 9 h 21 min
